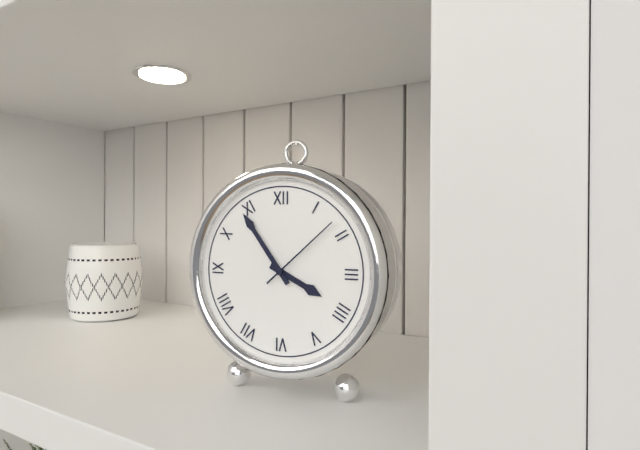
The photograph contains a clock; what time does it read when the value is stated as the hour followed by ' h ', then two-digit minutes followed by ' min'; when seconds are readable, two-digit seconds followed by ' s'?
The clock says 3 h 54 min 08 s
